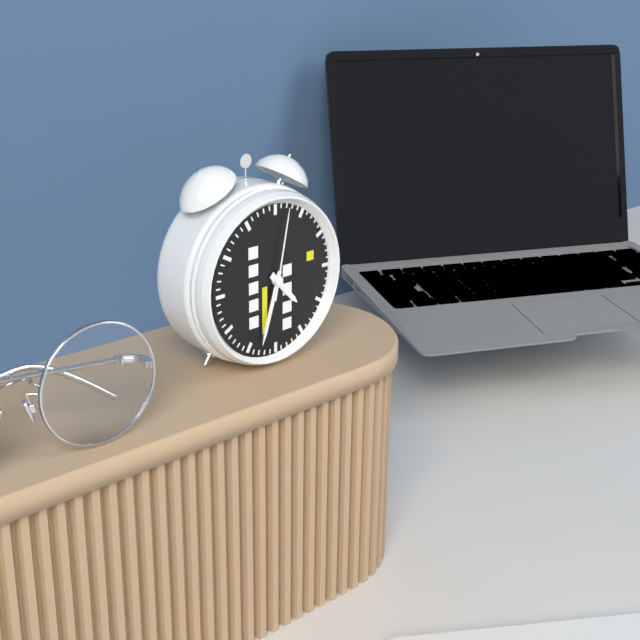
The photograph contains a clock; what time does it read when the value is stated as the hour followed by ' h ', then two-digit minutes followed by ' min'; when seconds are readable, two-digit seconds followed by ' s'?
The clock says 4 h 33 min 02 s
